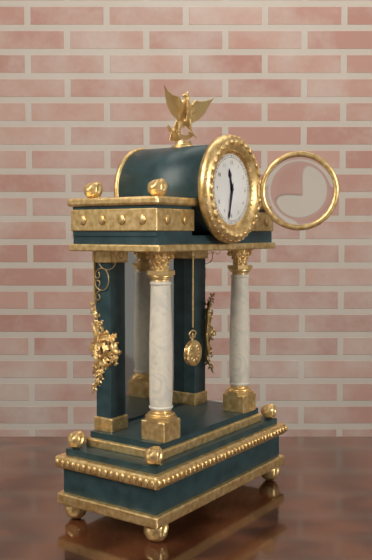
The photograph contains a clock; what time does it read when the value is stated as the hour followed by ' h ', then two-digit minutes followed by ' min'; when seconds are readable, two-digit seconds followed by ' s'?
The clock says 11 h 32 min
